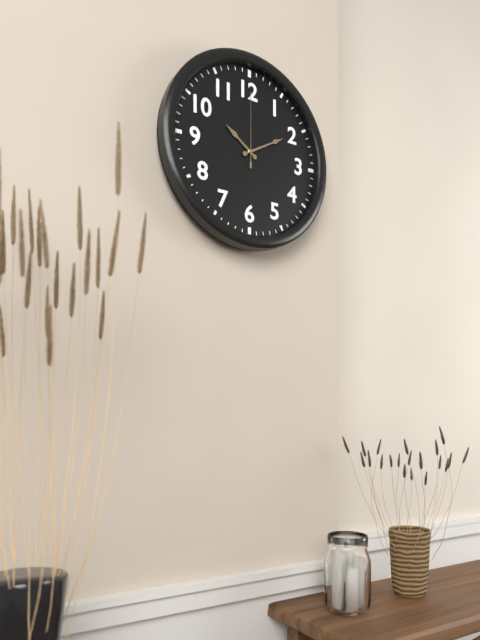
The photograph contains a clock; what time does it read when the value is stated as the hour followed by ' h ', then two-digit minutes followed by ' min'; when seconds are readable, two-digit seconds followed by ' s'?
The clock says 10 h 10 min 00 s
